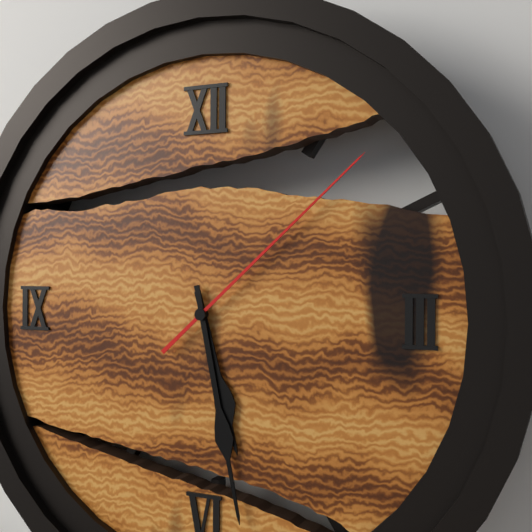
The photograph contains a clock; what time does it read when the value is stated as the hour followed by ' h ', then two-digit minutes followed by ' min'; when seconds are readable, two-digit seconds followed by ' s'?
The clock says 5 h 28 min 08 s
